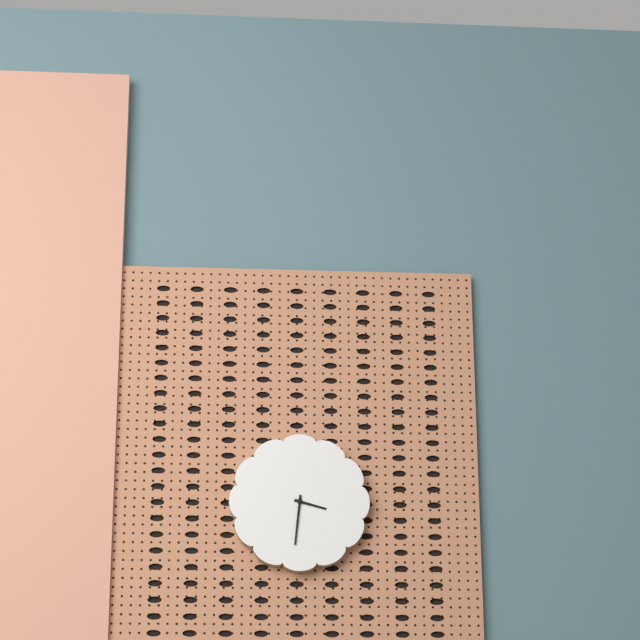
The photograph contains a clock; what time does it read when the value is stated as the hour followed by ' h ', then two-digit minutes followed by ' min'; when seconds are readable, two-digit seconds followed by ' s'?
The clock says 3 h 31 min
